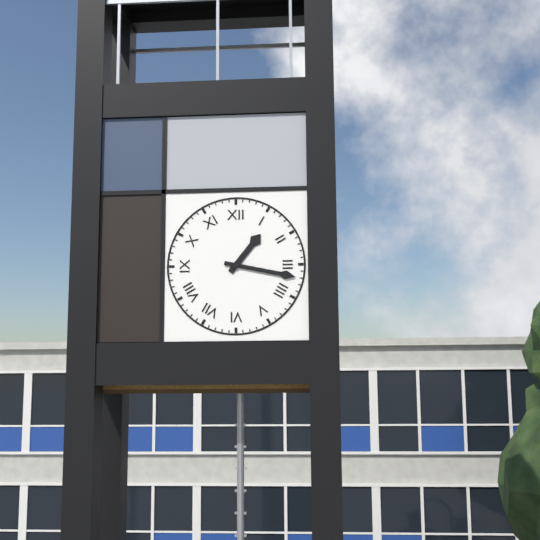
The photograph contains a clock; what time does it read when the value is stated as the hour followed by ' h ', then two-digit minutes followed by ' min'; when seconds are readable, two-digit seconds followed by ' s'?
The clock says 1 h 17 min
